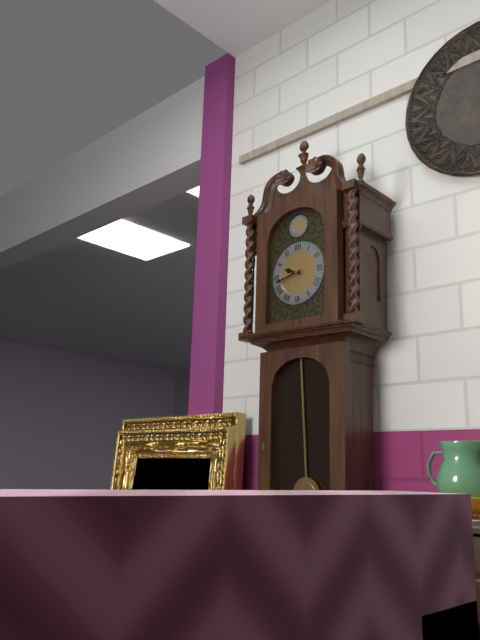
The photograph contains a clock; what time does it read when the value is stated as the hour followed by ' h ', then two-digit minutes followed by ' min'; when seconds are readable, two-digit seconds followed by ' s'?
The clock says 9 h 43 min
